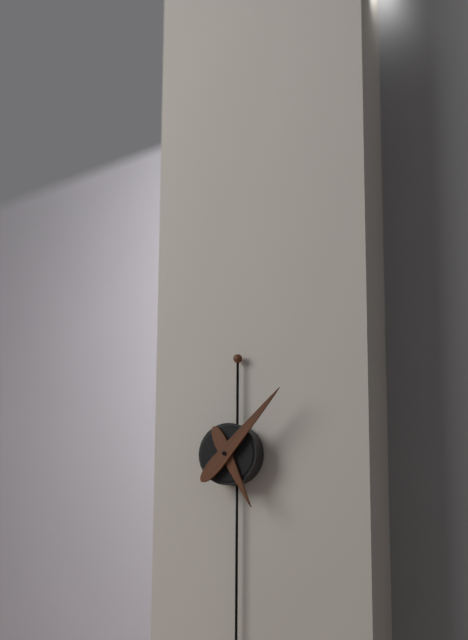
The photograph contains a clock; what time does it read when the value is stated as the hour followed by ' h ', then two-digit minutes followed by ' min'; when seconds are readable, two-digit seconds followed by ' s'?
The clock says 5 h 07 min
